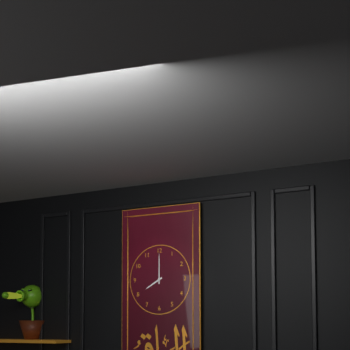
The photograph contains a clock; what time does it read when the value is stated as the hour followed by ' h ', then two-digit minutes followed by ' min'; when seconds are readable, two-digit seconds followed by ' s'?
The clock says 8 h 00 min
